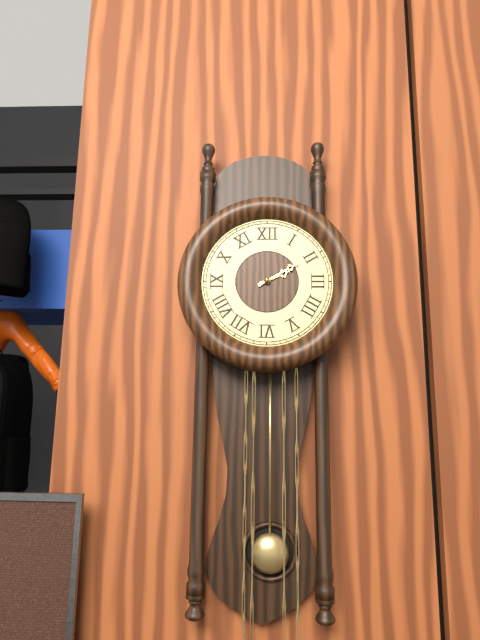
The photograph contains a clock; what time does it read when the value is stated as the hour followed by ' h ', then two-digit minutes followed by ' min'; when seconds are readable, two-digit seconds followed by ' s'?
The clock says 2 h 10 min
